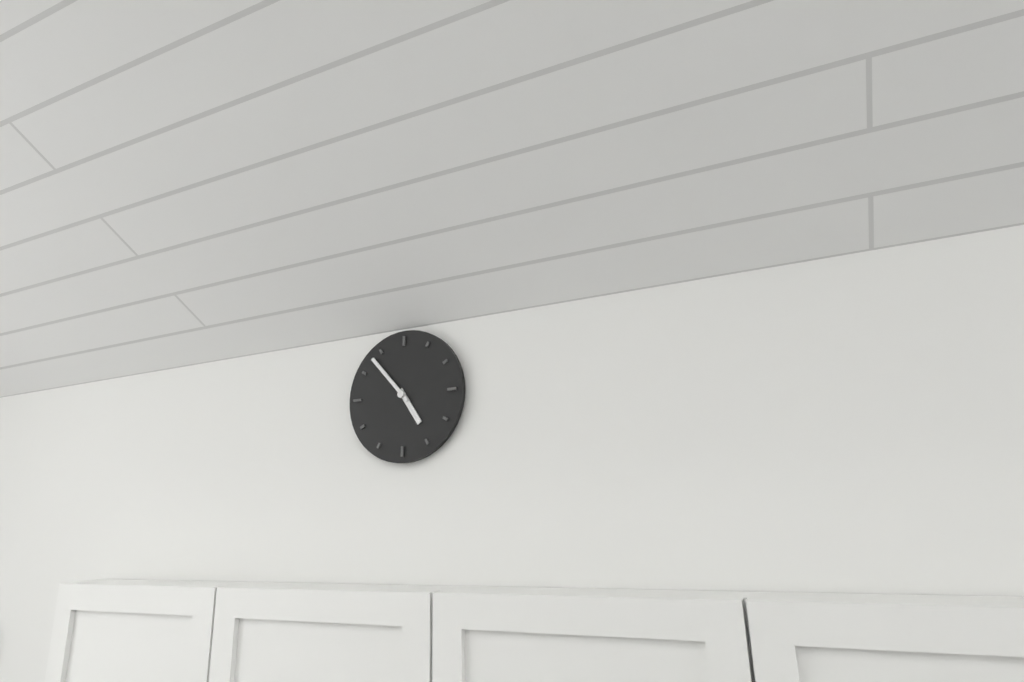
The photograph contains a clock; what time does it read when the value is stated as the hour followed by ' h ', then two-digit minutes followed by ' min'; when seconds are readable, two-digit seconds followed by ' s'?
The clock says 4 h 53 min
